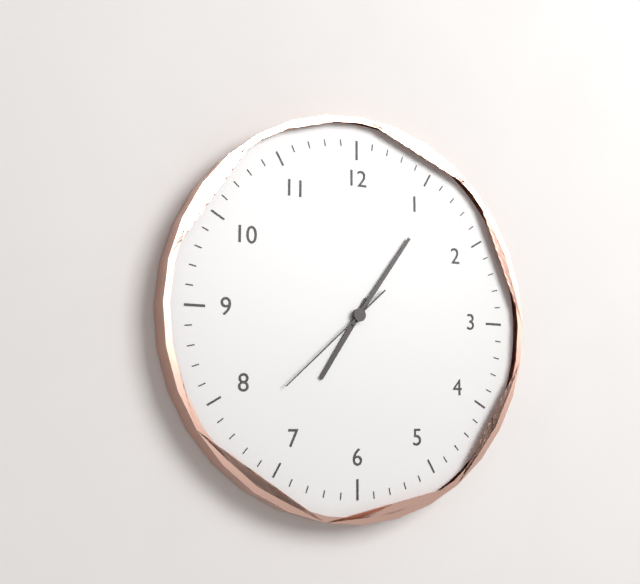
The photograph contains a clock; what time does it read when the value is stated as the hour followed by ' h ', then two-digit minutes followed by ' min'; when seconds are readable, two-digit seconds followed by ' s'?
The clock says 7 h 06 min 38 s
